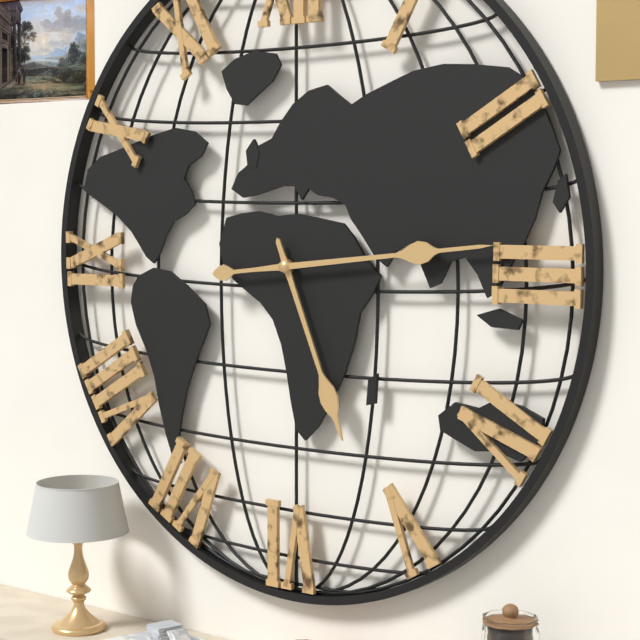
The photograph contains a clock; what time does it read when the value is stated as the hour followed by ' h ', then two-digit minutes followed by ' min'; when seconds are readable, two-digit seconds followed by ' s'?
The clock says 5 h 14 min
